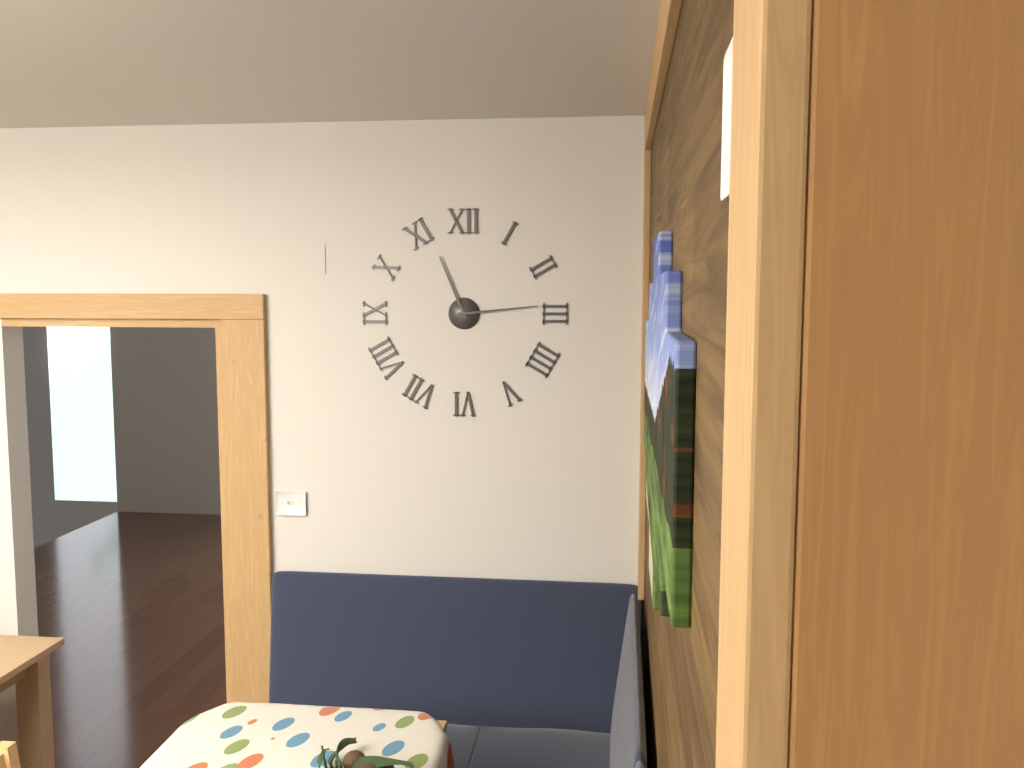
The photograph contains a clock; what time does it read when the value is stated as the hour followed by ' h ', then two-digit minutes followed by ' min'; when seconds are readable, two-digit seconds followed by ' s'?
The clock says 11 h 14 min
